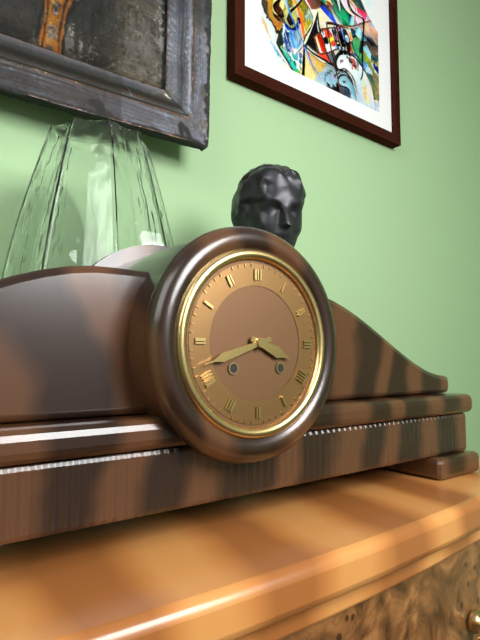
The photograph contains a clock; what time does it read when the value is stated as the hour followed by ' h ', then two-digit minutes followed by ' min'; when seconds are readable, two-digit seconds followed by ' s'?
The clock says 3 h 42 min
